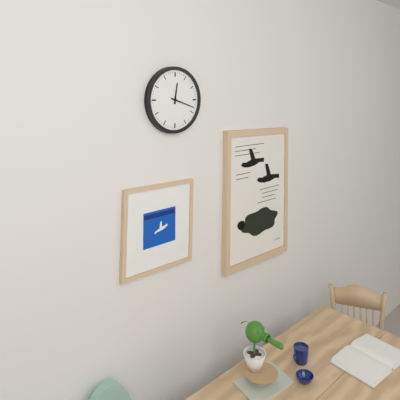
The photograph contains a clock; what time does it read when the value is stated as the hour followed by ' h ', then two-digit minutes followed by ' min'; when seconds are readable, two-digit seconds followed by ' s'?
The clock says 12 h 18 min
